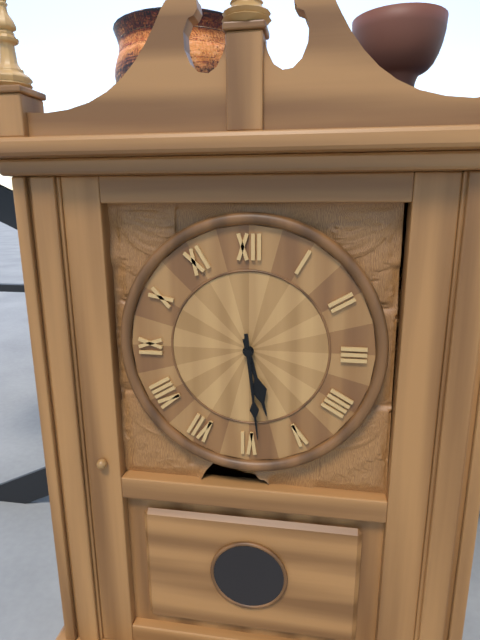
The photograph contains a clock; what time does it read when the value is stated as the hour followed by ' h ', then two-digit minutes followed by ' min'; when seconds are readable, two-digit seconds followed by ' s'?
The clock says 5 h 29 min
